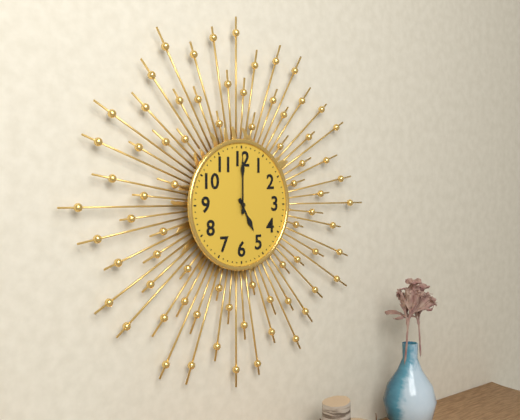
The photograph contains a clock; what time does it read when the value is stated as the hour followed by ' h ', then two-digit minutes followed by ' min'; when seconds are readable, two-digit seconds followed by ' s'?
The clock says 5 h 00 min
